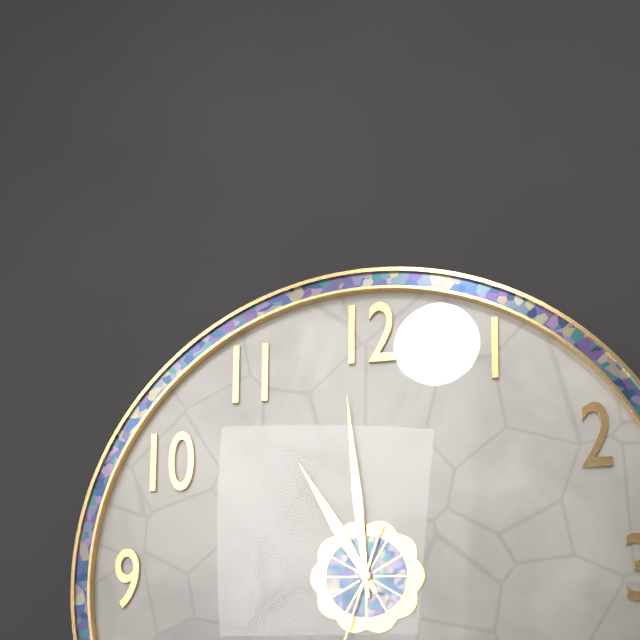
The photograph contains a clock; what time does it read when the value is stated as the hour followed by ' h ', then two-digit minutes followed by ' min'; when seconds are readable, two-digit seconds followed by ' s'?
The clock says 10 h 59 min
